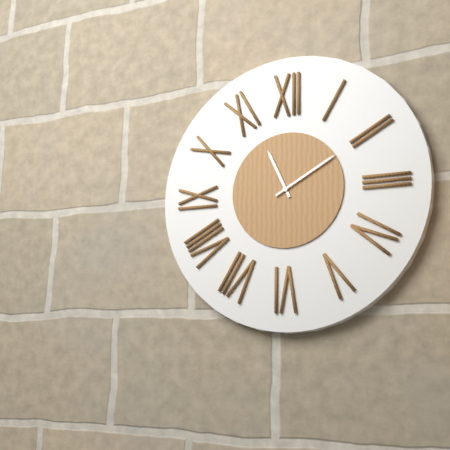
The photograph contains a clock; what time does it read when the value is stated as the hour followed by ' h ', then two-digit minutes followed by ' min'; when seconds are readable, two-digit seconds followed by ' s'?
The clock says 11 h 10 min
